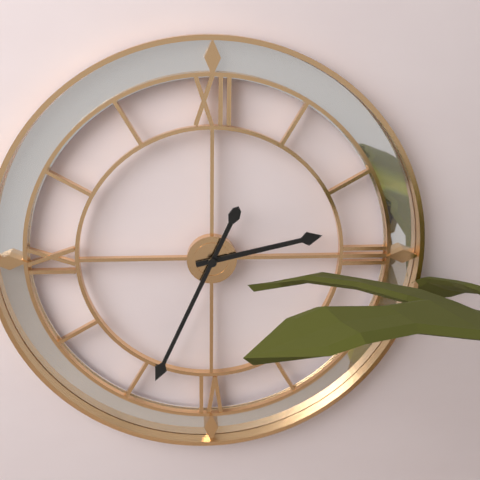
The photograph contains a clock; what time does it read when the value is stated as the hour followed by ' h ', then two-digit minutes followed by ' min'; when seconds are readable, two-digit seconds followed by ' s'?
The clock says 2 h 34 min
